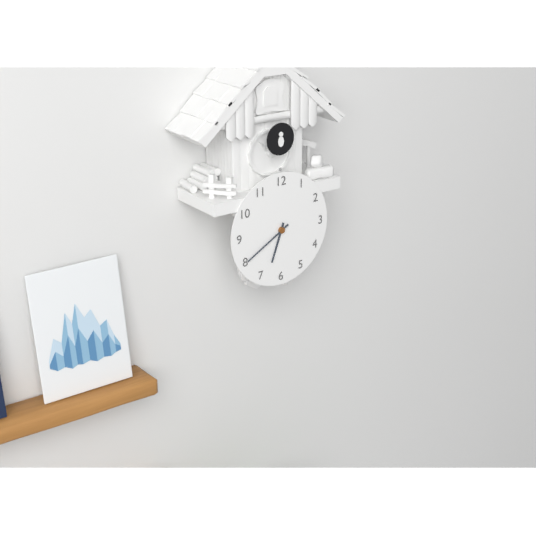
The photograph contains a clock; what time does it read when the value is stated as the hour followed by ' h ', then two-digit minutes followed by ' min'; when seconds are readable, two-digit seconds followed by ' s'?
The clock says 6 h 40 min
